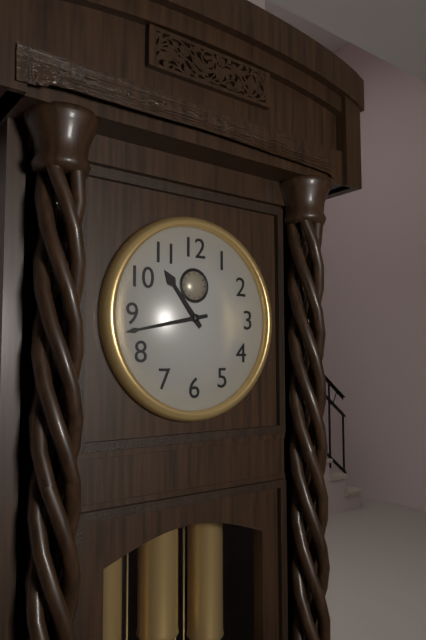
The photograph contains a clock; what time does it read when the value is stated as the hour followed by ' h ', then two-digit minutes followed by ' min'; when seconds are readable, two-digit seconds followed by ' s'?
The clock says 10 h 43 min
